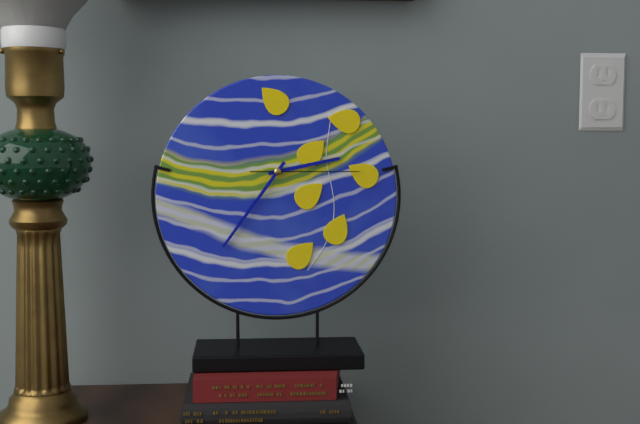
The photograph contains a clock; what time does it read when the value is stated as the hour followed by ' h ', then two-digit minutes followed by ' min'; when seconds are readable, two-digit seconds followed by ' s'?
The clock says 2 h 36 min 15 s
